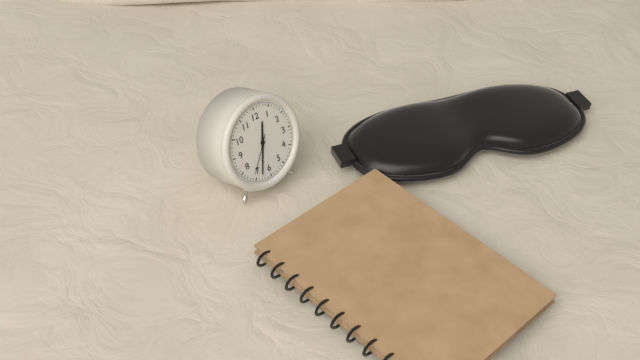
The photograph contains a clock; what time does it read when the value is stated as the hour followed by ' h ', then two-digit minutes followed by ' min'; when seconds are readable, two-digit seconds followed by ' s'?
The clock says 12 h 33 min
